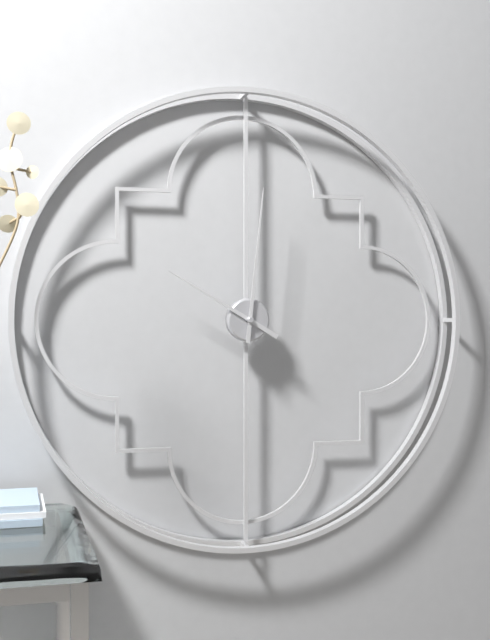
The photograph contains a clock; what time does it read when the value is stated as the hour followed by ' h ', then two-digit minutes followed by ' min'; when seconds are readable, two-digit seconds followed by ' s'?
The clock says 10 h 01 min
